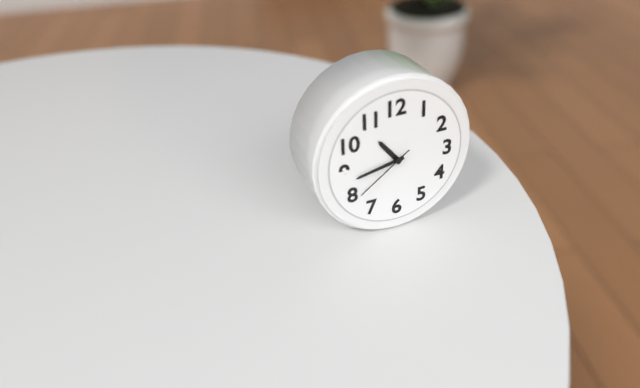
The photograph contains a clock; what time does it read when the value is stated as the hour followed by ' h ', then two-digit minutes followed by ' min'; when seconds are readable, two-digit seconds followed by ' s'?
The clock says 10 h 43 min 39 s
